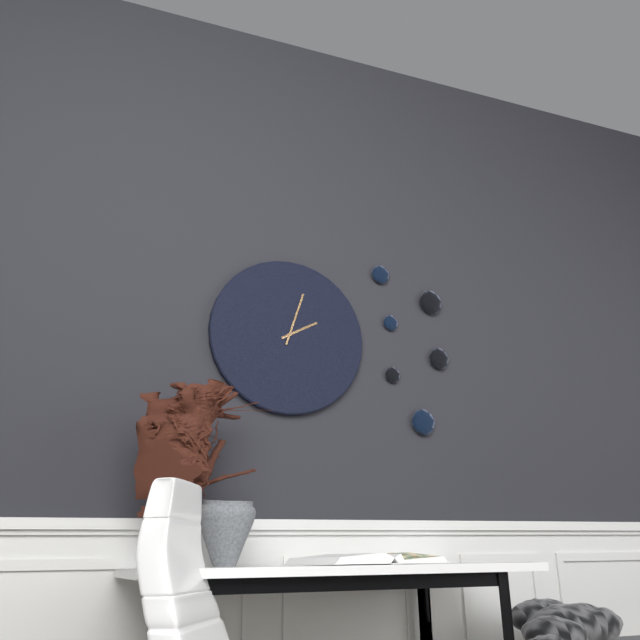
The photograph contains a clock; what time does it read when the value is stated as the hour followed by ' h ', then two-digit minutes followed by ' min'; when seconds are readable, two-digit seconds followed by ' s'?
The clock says 2 h 03 min
